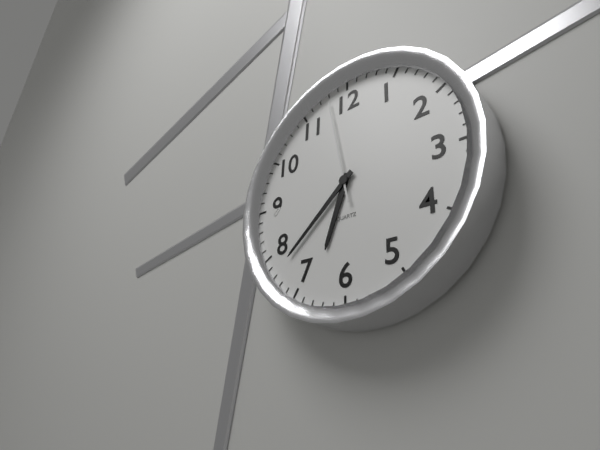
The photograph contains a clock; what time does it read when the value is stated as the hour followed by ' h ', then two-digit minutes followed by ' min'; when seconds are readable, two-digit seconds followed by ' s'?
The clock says 6 h 38 min 58 s
